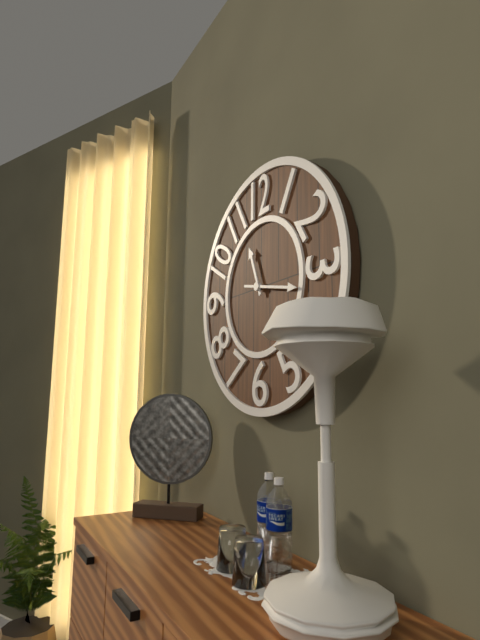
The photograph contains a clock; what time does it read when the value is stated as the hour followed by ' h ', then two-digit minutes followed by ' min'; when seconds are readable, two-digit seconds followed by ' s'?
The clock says 11 h 17 min
